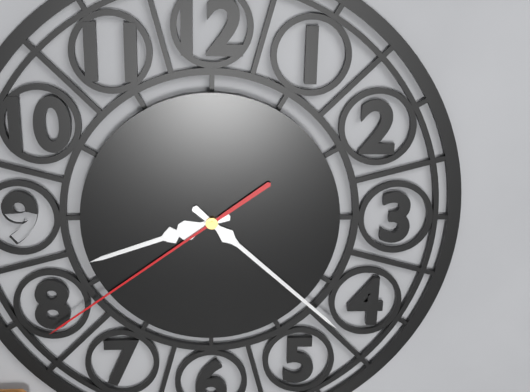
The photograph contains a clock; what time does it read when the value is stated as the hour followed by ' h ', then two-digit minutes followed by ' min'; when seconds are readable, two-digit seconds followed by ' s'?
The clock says 8 h 22 min 39 s
